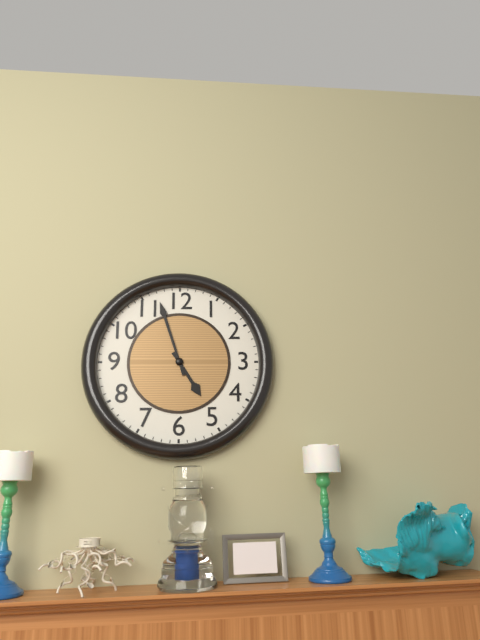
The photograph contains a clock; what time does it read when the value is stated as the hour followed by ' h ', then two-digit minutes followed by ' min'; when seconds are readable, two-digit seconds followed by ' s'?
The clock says 4 h 57 min
